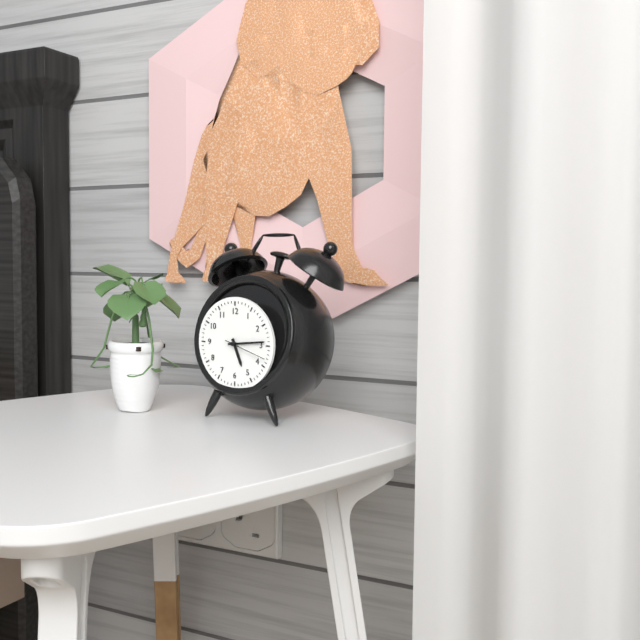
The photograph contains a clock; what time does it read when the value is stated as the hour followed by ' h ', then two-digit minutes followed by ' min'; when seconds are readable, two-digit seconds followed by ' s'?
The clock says 5 h 14 min
